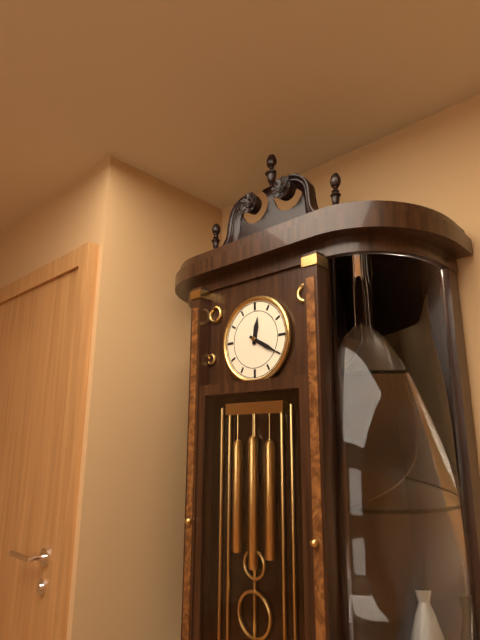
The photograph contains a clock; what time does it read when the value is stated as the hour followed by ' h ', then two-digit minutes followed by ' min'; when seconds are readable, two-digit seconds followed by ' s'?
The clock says 12 h 20 min
